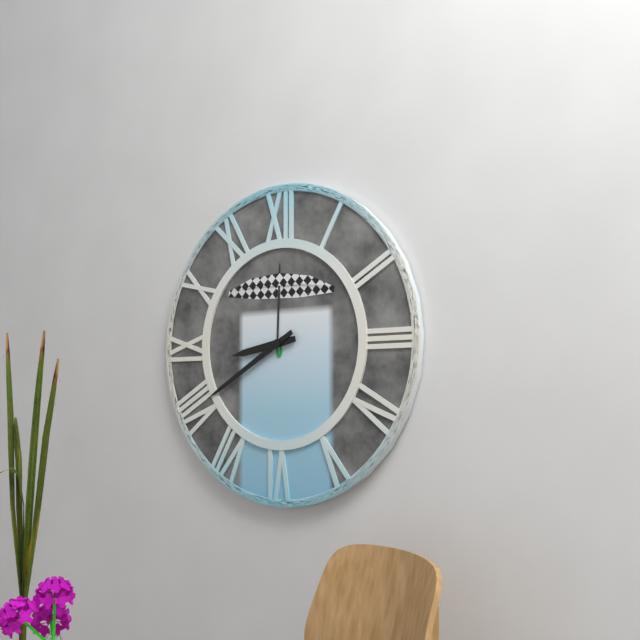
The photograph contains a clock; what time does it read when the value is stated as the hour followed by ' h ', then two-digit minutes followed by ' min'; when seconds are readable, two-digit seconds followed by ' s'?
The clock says 8 h 40 min
